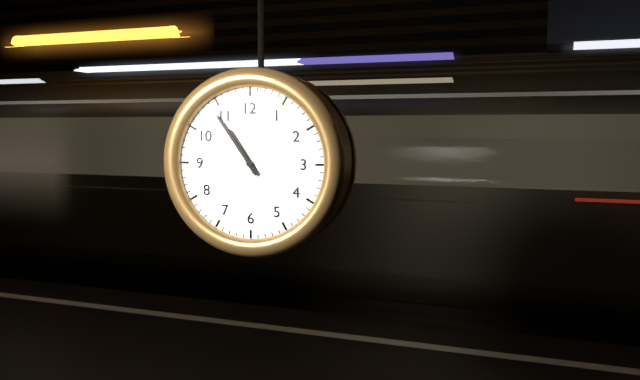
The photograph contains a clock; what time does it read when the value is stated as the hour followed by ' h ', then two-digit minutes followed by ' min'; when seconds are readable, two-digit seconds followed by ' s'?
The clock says 10 h 54 min
